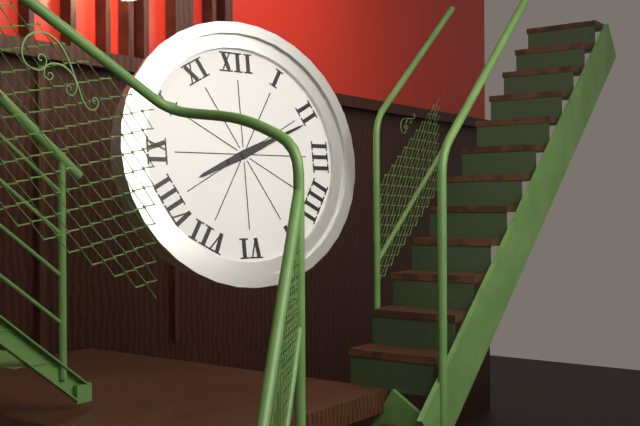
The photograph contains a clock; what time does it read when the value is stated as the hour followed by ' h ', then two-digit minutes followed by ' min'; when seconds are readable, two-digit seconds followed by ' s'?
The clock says 8 h 11 min
